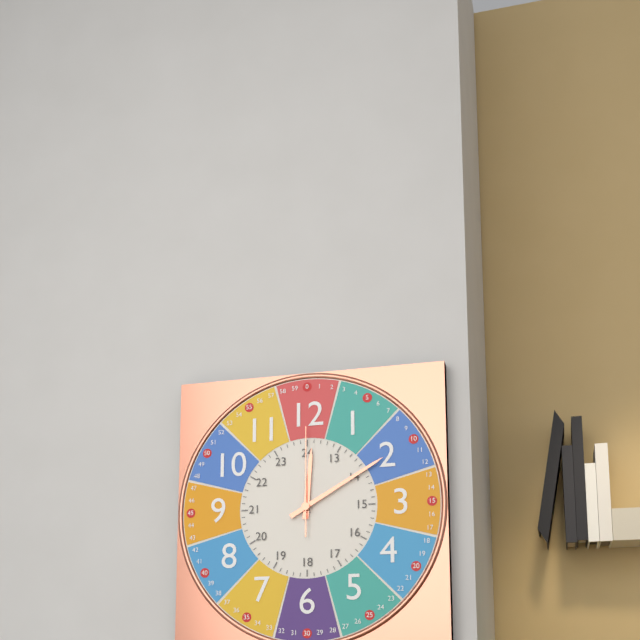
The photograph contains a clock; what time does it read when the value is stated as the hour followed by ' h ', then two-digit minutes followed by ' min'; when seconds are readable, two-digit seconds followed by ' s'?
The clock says 12 h 10 min 00 s
